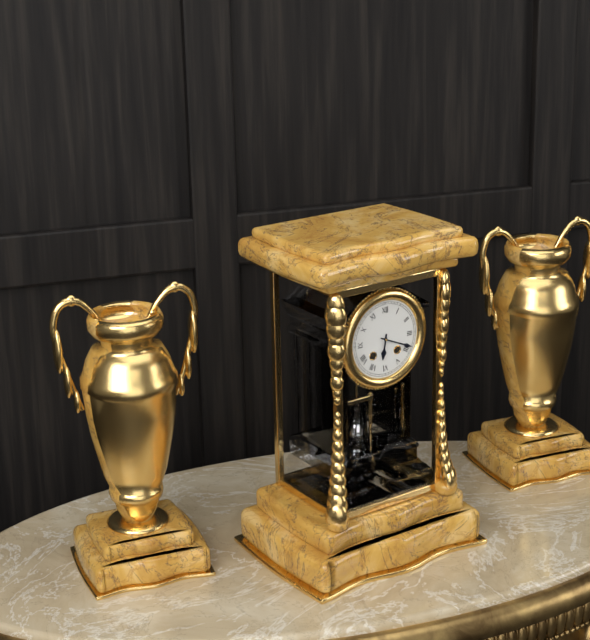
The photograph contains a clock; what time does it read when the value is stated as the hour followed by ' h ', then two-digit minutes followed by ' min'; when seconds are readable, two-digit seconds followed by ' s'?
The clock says 6 h 19 min
